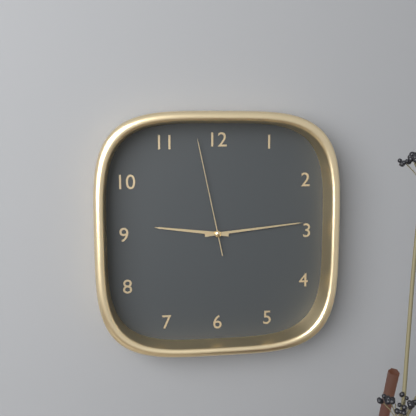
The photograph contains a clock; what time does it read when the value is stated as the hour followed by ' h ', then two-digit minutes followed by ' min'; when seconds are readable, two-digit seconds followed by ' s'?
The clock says 9 h 14 min 58 s
